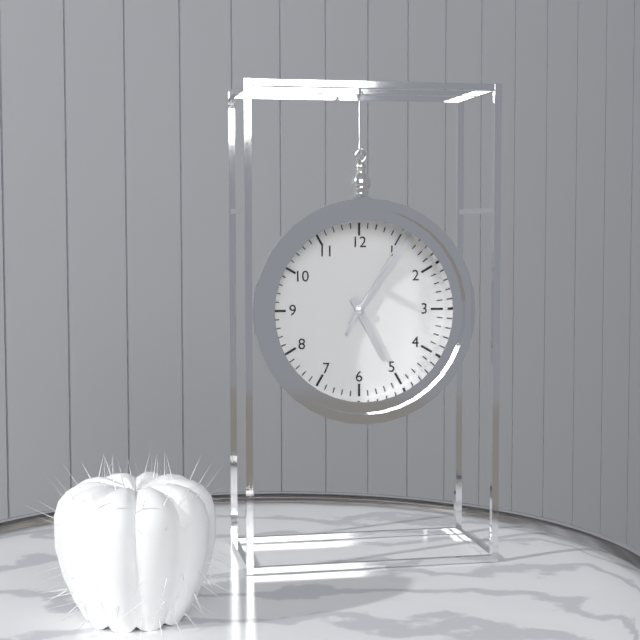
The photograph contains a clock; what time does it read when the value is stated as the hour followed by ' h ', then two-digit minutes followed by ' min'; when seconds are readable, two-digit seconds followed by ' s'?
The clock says 5 h 06 min 05 s
